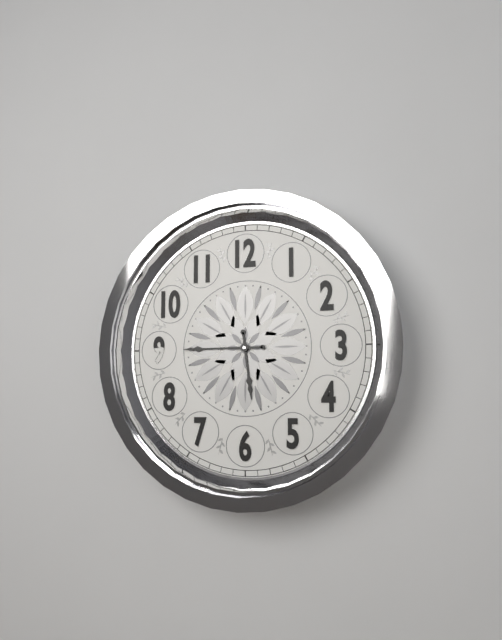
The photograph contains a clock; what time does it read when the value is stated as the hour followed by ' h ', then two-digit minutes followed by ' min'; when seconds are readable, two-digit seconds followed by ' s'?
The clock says 5 h 45 min
